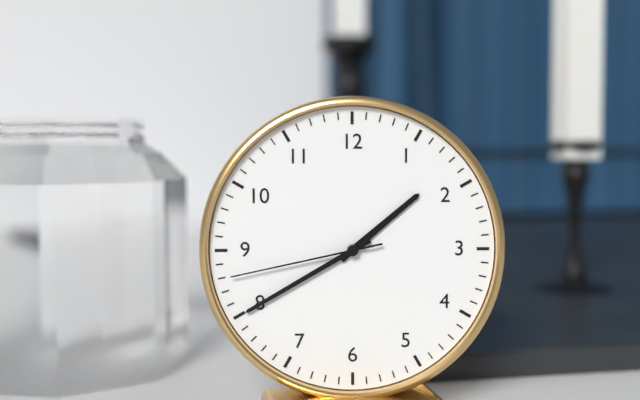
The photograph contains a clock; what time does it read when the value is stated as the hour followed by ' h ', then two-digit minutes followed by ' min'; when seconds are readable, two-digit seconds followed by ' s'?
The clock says 1 h 40 min 43 s
